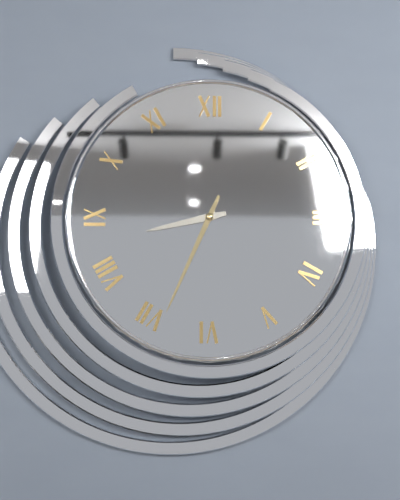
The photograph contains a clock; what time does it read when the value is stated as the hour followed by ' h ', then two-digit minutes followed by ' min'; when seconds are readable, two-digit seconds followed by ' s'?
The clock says 8 h 34 min
